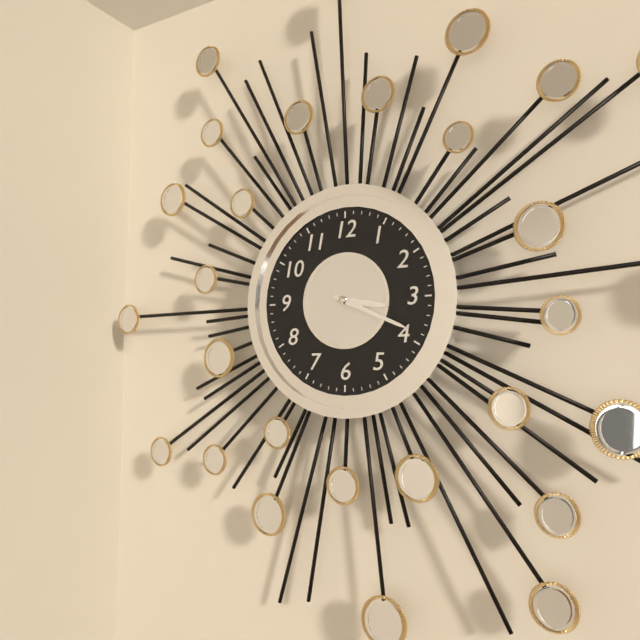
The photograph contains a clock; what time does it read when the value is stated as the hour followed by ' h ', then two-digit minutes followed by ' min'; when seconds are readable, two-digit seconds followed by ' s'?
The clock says 3 h 19 min
